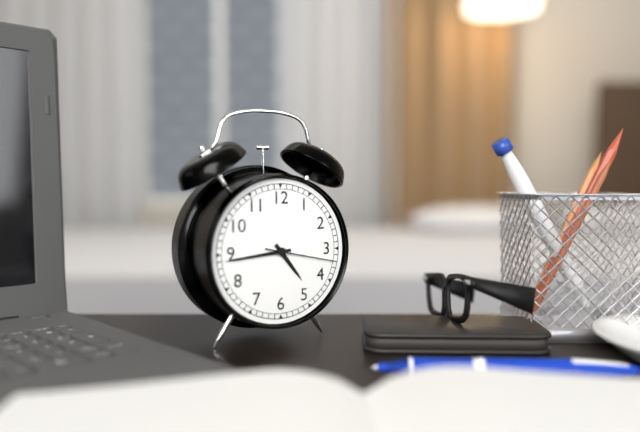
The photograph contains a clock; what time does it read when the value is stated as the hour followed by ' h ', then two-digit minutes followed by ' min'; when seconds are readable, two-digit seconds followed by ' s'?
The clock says 4 h 44 min 17 s
